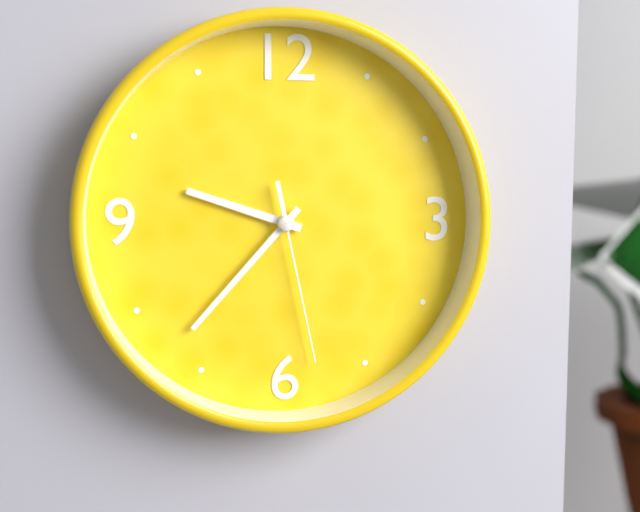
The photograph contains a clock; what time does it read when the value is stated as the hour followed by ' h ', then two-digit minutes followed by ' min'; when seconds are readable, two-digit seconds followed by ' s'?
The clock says 9 h 37 min 28 s
